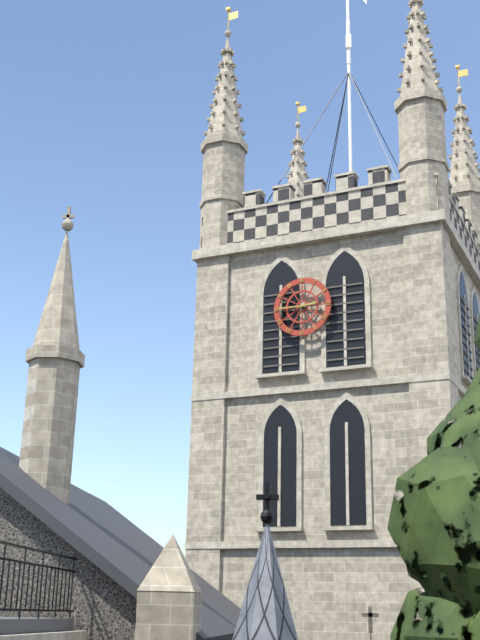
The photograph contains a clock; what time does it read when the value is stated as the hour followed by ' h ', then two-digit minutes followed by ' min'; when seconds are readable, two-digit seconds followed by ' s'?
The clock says 2 h 45 min
